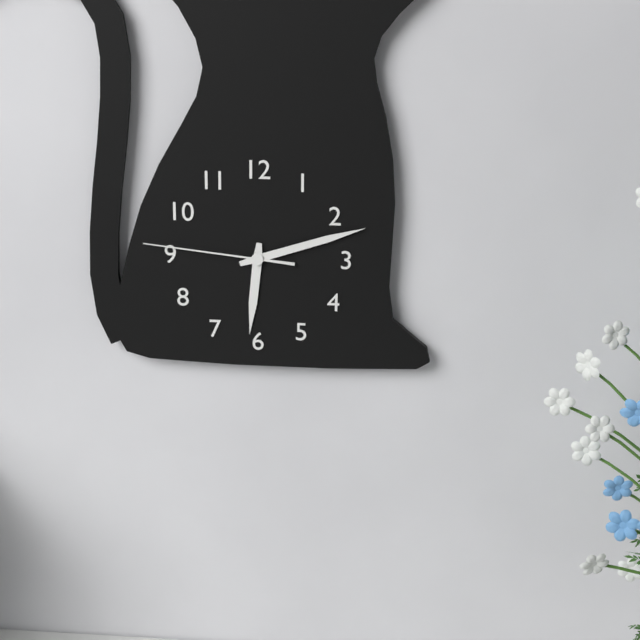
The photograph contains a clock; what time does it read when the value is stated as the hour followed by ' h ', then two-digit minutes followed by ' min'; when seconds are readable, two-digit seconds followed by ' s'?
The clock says 6 h 12 min 46 s
